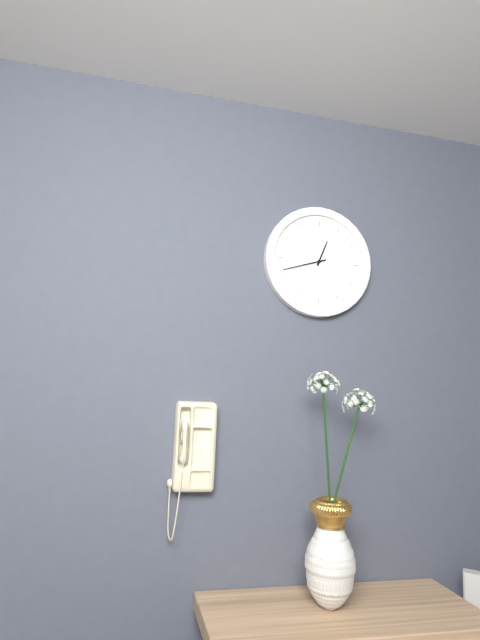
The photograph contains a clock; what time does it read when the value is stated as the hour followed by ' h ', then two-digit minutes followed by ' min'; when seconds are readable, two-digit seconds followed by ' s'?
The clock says 12 h 42 min
